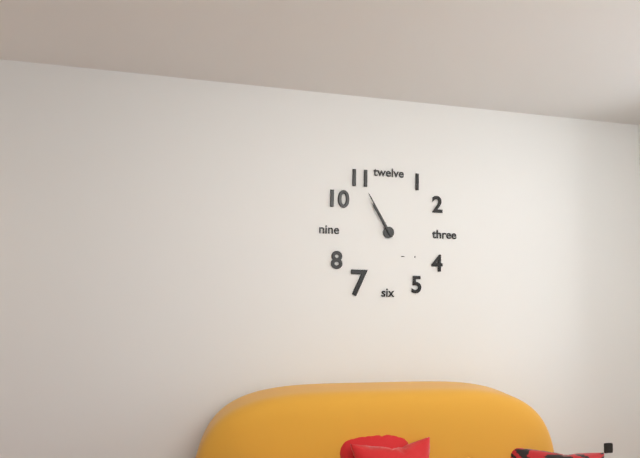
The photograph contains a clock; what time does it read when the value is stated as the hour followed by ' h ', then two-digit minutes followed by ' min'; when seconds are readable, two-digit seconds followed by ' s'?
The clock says 10 h 55 min
